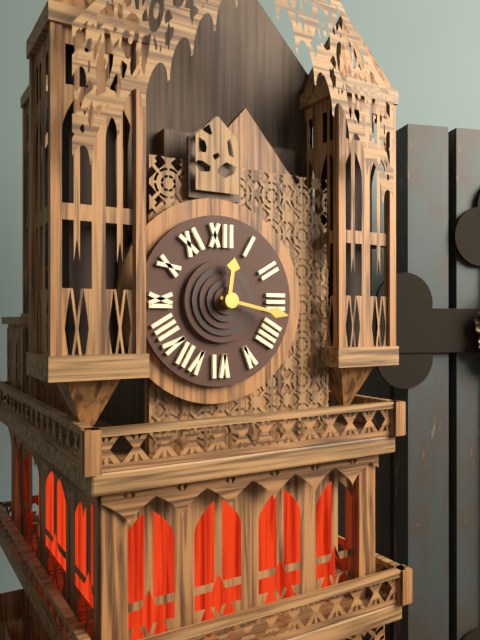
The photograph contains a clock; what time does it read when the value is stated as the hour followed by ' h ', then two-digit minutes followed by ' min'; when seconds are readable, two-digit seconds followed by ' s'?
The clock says 12 h 17 min
